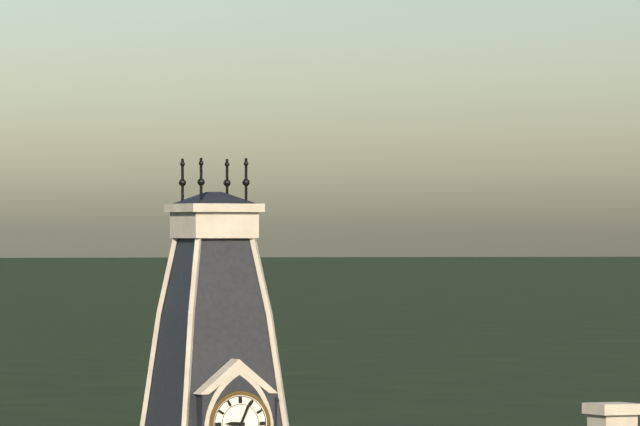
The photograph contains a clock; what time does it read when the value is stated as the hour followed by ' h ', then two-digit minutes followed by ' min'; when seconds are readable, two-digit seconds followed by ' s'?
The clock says 9 h 04 min
